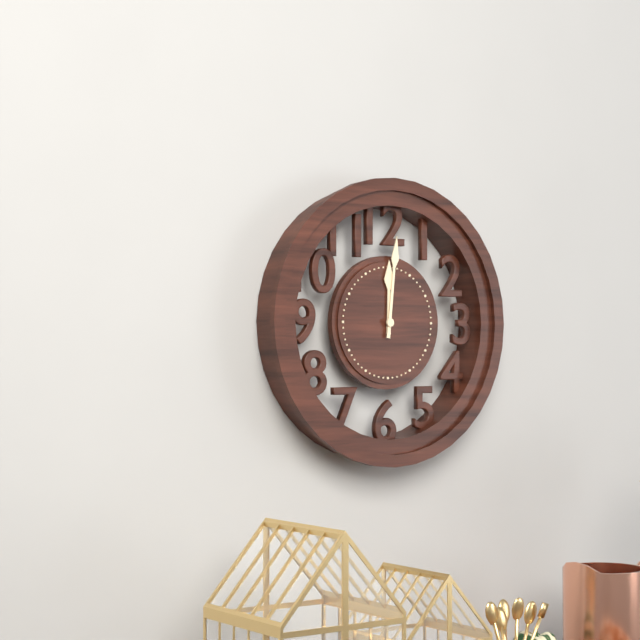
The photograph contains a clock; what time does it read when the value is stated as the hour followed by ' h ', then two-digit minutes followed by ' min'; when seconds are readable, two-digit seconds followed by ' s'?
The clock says 12 h 01 min
